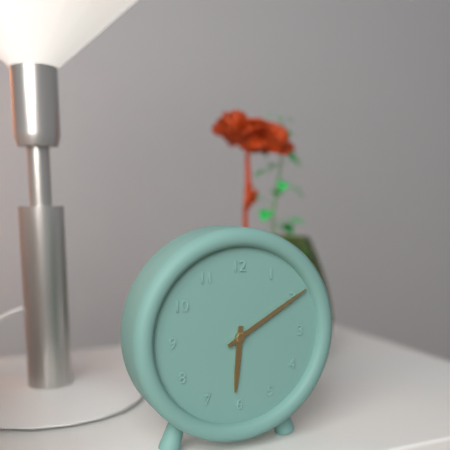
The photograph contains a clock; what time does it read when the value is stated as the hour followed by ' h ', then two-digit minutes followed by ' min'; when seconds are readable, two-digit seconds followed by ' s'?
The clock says 6 h 10 min
